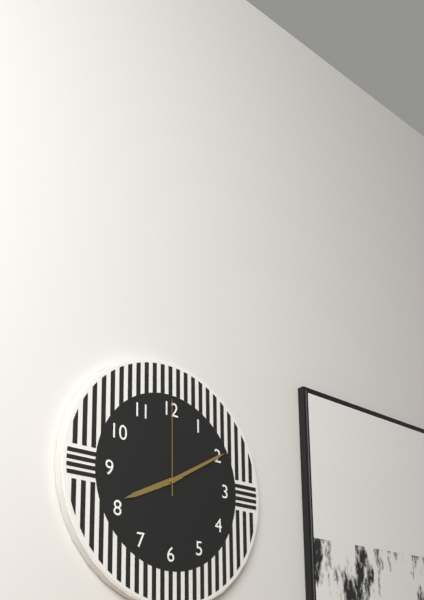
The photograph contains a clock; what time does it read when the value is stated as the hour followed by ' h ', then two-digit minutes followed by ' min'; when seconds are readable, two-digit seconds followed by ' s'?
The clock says 8 h 10 min 00 s
